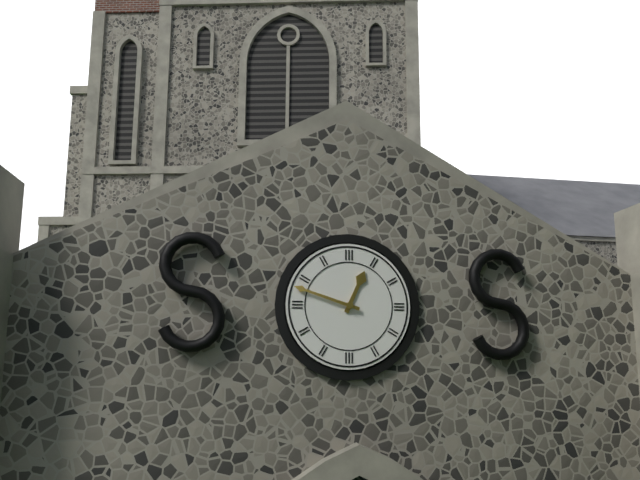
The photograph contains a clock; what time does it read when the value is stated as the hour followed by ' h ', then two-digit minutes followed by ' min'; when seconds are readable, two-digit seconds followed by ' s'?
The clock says 12 h 48 min
